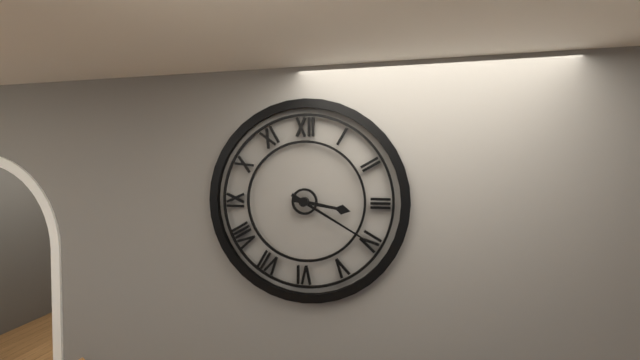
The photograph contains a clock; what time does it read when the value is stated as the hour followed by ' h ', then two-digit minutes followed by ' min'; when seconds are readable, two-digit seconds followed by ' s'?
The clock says 3 h 20 min
